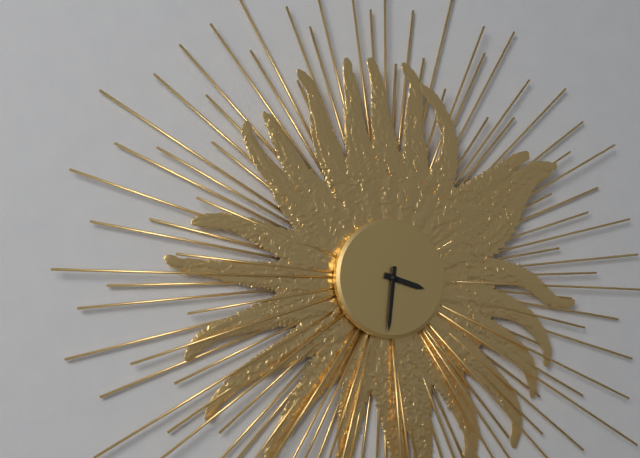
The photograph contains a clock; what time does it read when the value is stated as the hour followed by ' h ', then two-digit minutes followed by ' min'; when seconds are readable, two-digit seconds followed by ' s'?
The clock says 3 h 31 min
